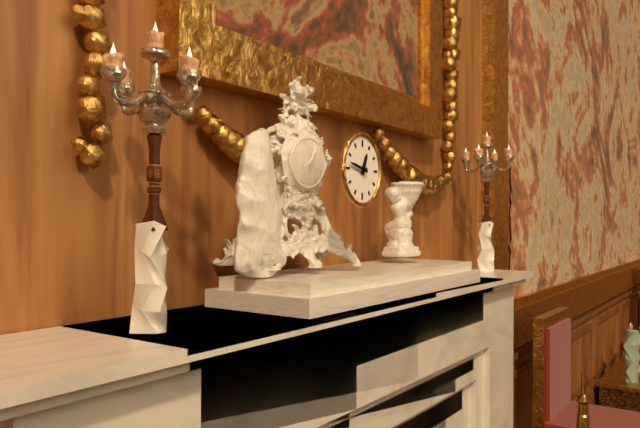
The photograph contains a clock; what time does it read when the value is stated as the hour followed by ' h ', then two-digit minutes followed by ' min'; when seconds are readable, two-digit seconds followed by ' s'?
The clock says 12 h 47 min
